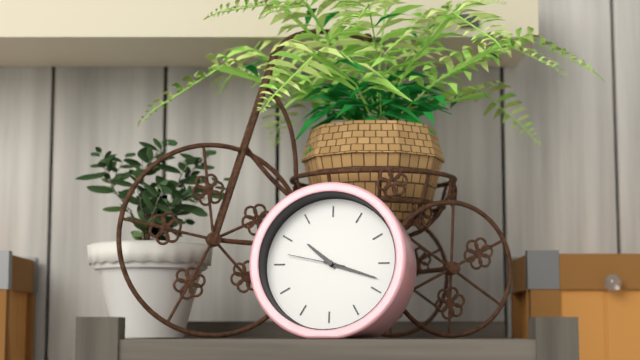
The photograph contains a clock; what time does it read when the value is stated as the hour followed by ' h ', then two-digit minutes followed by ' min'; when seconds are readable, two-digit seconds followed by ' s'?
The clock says 10 h 18 min 47 s
